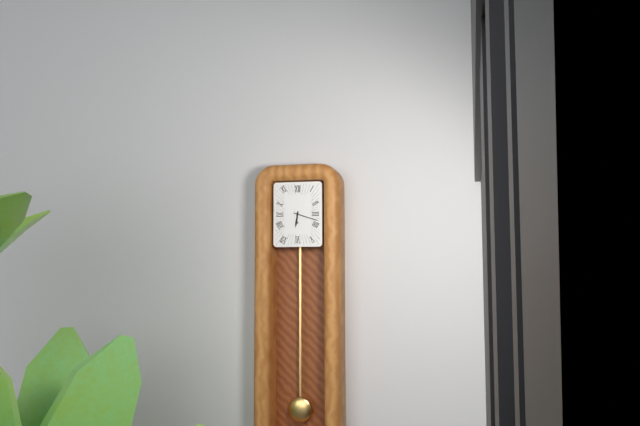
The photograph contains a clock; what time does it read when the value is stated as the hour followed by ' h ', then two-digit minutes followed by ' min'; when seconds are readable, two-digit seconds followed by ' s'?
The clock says 6 h 18 min
